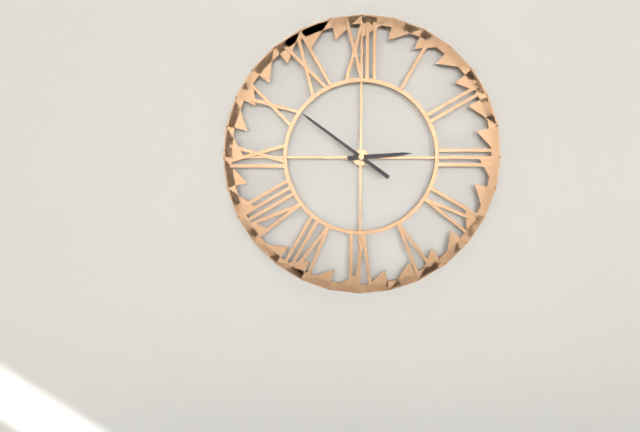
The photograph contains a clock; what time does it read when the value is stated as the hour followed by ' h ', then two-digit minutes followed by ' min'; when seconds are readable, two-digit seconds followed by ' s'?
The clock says 2 h 51 min
